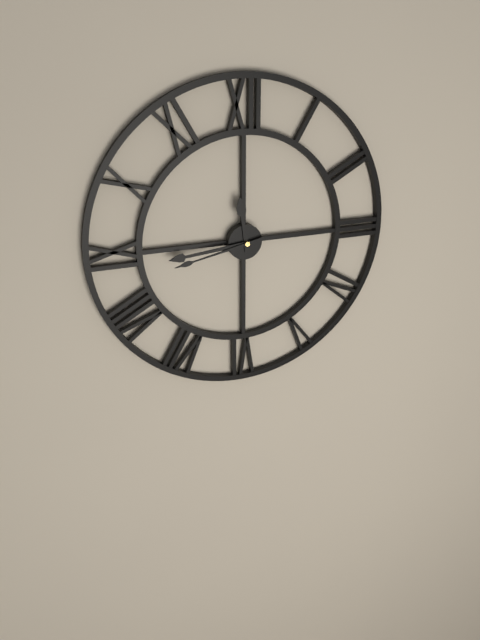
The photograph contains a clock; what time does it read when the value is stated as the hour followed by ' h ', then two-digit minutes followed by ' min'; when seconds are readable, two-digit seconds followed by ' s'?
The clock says 11 h 44 min 43 s
